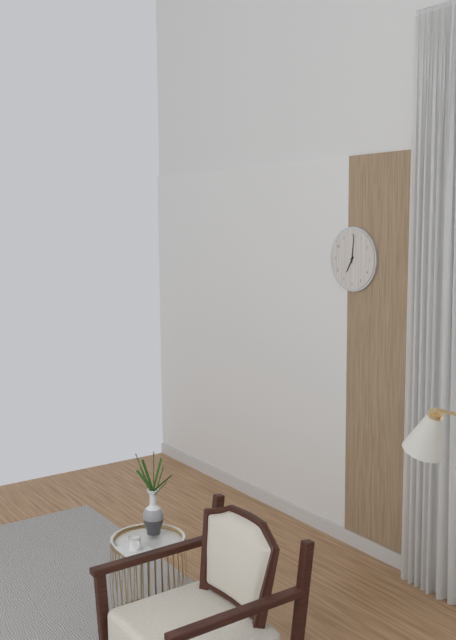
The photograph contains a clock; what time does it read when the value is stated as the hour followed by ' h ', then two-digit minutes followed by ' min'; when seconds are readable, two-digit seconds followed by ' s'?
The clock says 7 h 01 min
